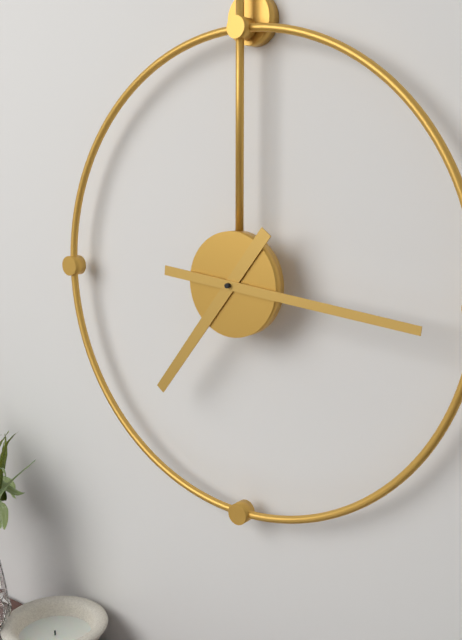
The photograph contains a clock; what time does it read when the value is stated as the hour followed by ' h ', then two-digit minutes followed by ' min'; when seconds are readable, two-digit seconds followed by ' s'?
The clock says 7 h 16 min
